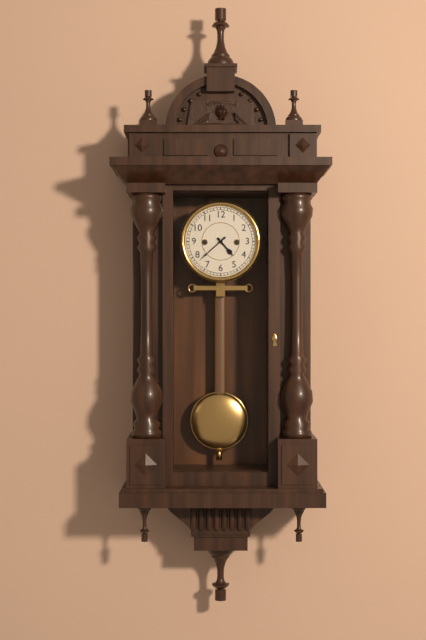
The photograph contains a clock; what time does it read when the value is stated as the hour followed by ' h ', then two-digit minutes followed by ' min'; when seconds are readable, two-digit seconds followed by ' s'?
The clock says 4 h 38 min
